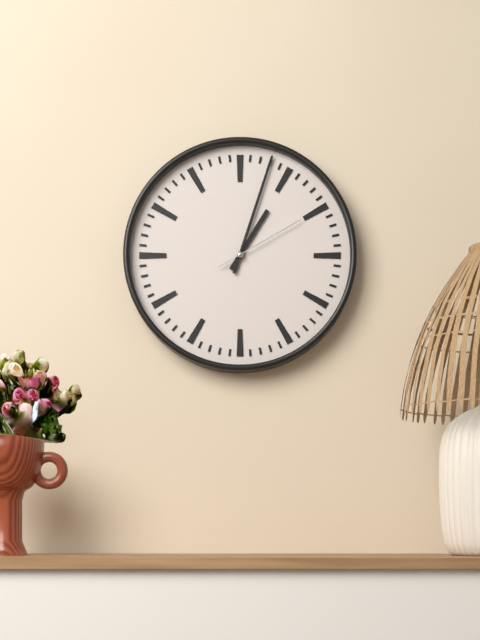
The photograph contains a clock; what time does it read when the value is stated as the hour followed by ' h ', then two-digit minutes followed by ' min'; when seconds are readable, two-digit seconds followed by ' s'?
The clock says 1 h 03 min 10 s
